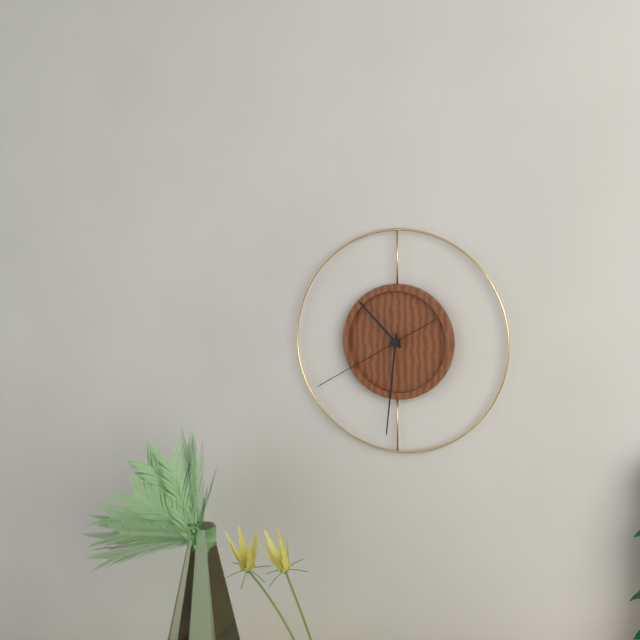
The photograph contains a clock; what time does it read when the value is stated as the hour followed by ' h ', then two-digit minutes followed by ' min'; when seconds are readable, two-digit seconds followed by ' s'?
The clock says 10 h 31 min 40 s
